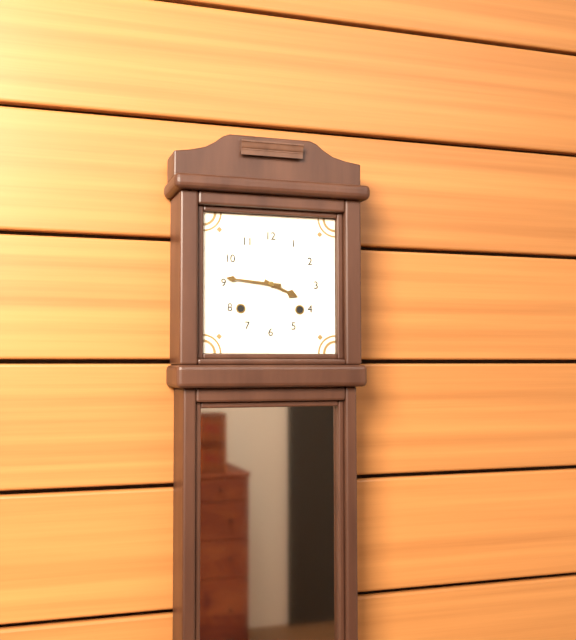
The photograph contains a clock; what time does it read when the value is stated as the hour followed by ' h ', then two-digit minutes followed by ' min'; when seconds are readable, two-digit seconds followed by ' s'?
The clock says 3 h 46 min
